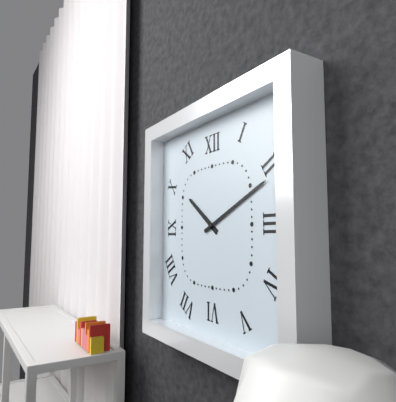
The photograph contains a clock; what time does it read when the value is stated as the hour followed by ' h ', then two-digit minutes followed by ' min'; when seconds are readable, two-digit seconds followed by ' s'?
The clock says 10 h 11 min
